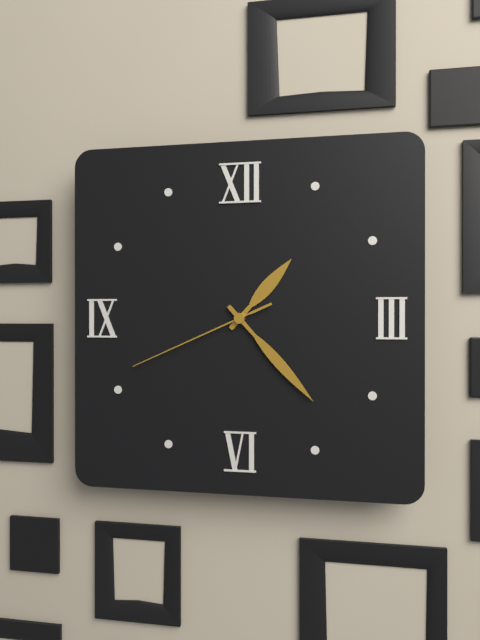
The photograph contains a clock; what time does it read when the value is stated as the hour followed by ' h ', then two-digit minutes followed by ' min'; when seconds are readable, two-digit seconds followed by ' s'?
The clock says 1 h 23 min 41 s
